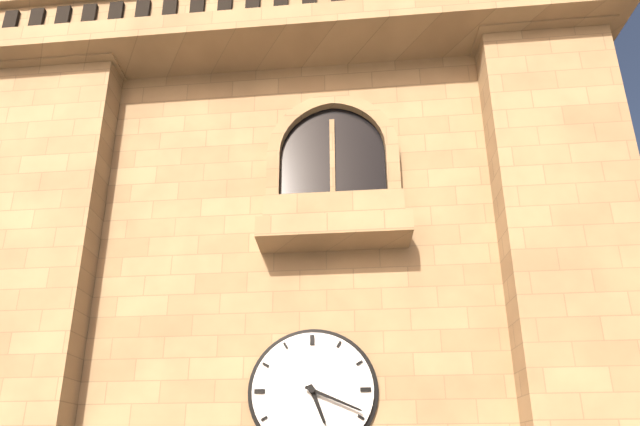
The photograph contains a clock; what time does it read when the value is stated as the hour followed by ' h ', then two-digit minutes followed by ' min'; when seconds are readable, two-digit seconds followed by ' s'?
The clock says 5 h 19 min
